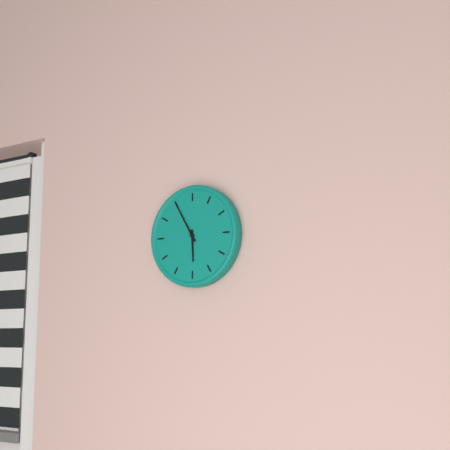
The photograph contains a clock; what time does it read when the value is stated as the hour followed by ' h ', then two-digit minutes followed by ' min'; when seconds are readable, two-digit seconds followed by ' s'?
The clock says 5 h 55 min
